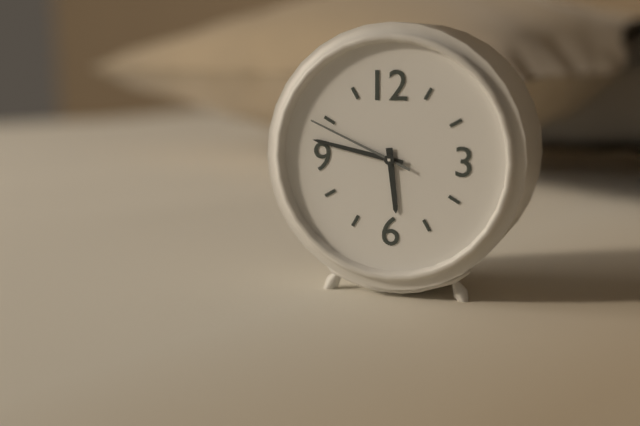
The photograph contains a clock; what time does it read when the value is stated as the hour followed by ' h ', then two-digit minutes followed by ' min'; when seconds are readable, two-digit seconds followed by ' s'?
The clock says 5 h 47 min 49 s
